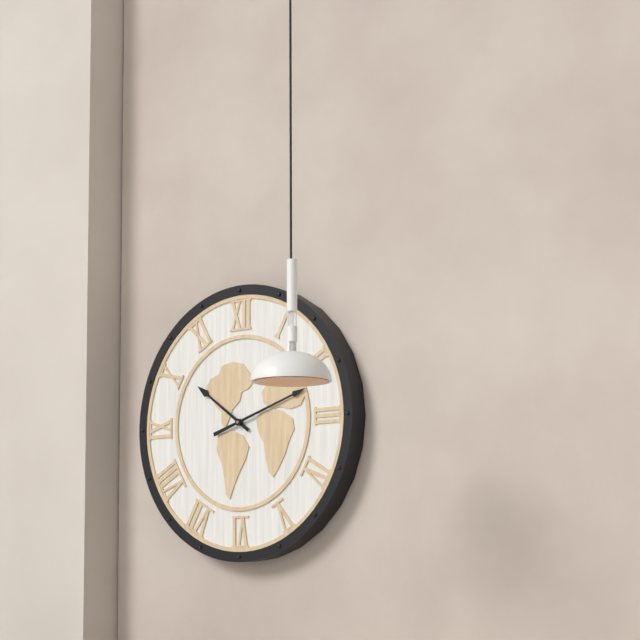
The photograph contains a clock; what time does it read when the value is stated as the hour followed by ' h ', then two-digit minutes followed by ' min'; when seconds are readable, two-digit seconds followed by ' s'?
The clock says 10 h 12 min
